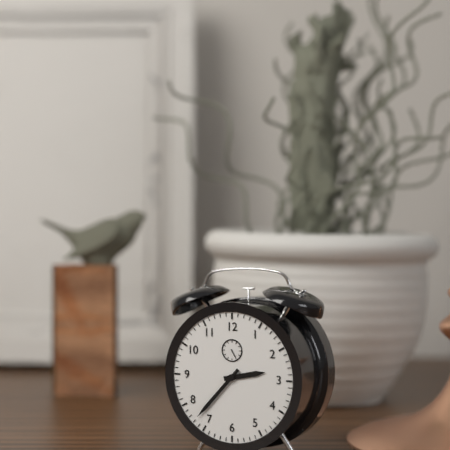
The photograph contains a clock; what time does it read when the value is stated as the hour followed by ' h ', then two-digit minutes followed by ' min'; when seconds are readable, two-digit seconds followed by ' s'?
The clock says 2 h 37 min
